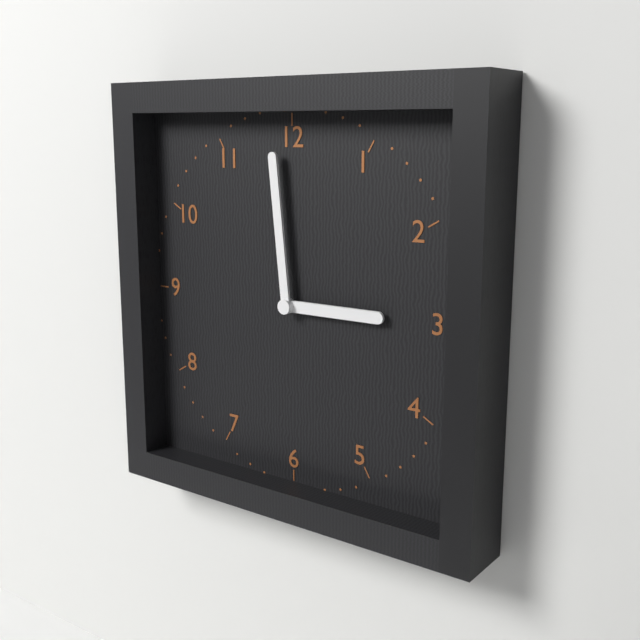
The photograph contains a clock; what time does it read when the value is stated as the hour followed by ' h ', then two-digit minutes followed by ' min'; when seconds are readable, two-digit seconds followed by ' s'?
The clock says 2 h 59 min
